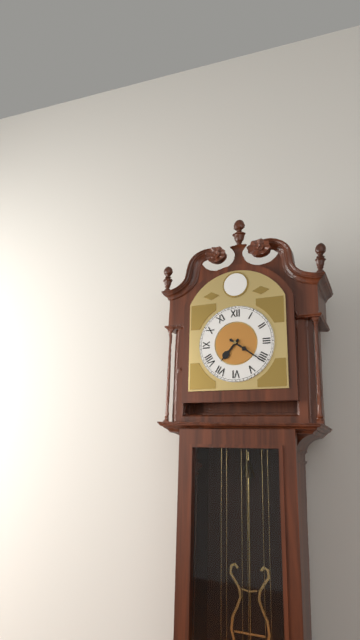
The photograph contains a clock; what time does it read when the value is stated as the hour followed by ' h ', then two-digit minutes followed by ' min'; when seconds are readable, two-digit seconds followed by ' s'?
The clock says 7 h 21 min
